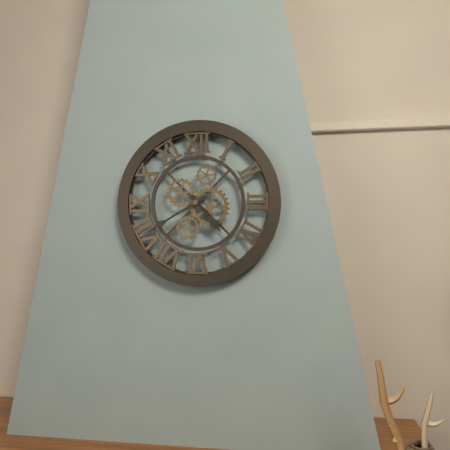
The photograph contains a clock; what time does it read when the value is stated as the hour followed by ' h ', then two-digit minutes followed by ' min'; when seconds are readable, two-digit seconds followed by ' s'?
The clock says 4 h 40 min
